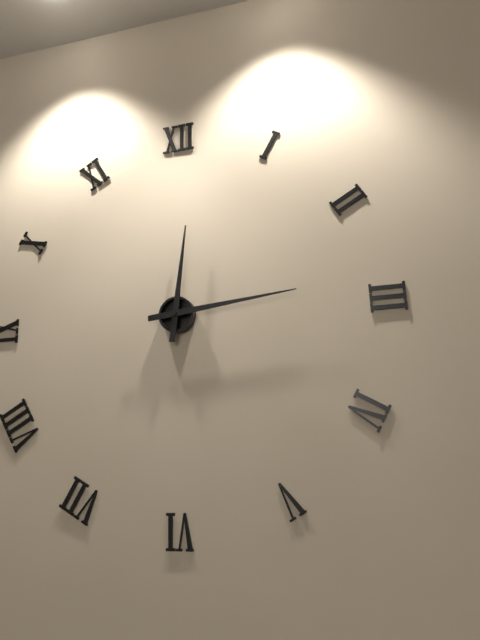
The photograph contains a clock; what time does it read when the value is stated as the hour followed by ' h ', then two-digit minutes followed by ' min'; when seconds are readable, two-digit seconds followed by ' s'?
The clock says 12 h 14 min
